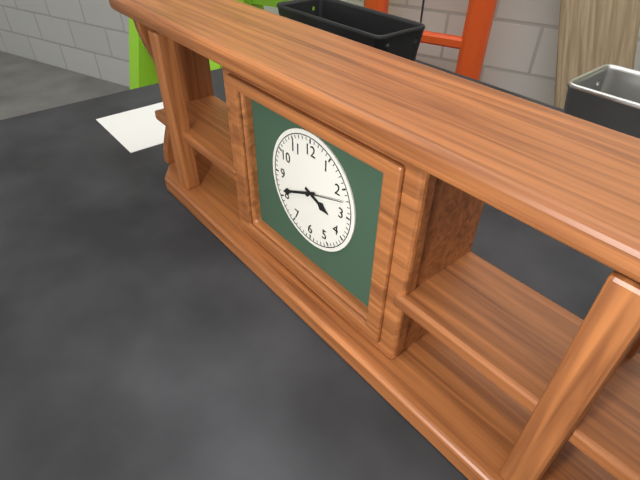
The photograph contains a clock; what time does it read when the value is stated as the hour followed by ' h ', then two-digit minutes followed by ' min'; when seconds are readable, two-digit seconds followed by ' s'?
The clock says 3 h 41 min
